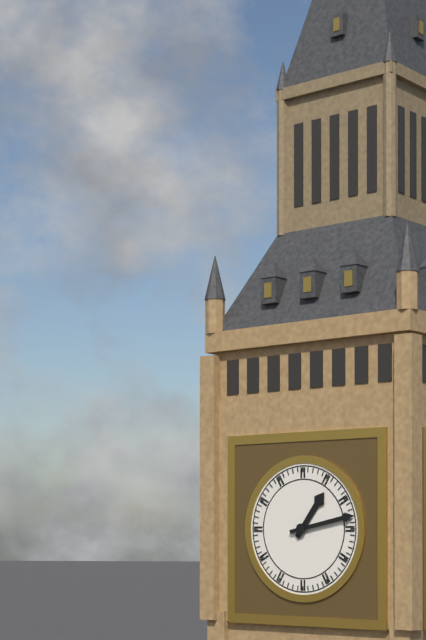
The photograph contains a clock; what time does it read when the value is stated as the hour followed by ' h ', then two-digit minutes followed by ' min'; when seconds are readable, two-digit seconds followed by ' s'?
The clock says 1 h 13 min
